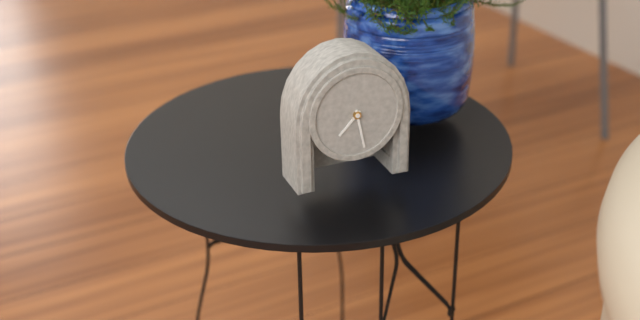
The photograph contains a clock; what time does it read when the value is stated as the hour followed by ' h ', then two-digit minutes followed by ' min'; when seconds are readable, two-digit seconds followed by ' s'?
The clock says 7 h 28 min
